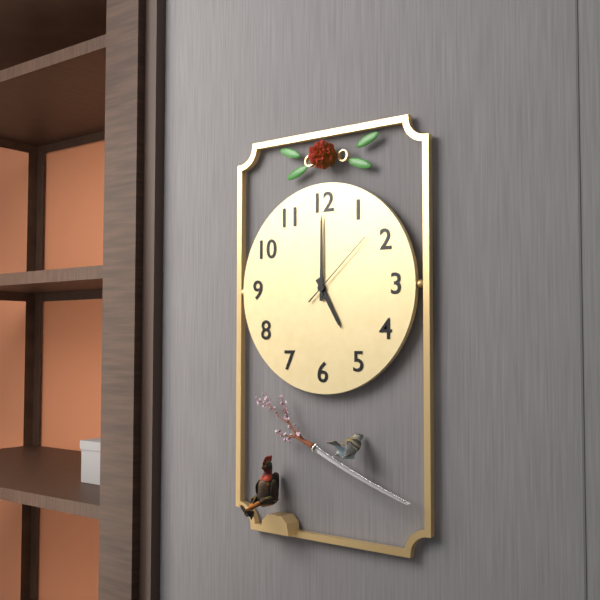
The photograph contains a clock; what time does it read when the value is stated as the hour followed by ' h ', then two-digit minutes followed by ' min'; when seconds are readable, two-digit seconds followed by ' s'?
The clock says 5 h 00 min 08 s
